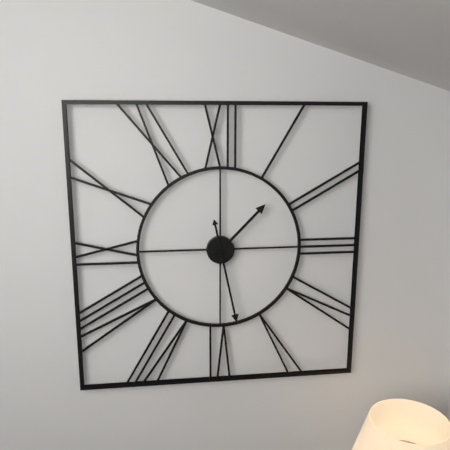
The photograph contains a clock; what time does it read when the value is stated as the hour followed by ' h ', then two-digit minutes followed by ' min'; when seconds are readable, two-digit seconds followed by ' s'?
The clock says 1 h 28 min
